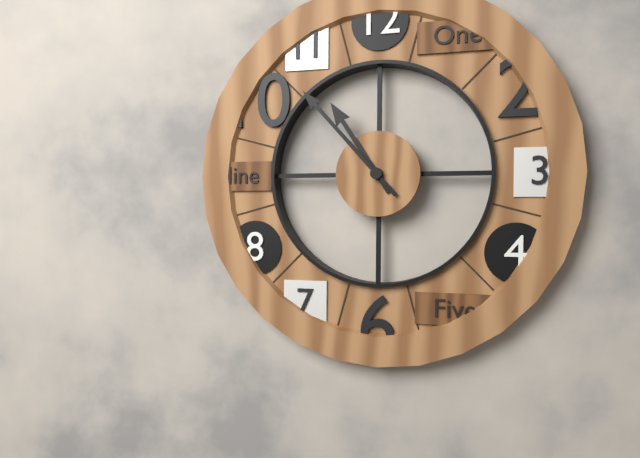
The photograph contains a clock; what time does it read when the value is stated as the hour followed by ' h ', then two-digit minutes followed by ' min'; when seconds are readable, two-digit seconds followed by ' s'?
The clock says 10 h 53 min
